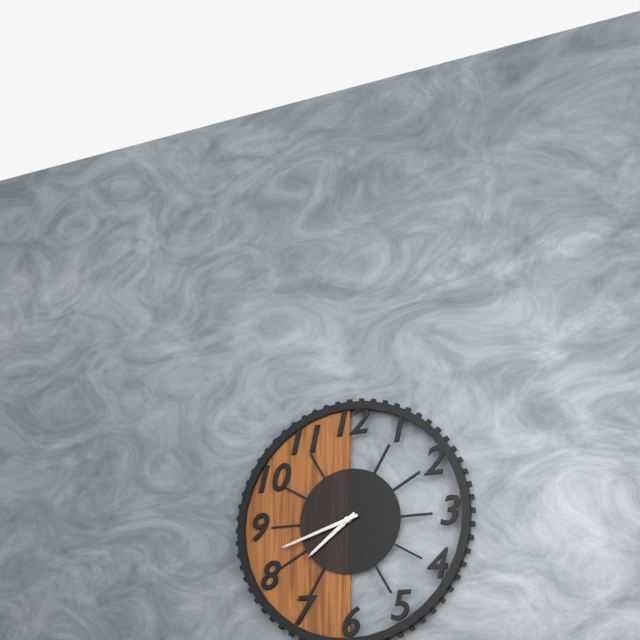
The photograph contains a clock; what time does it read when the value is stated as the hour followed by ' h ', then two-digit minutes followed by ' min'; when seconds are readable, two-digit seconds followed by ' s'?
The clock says 7 h 42 min
